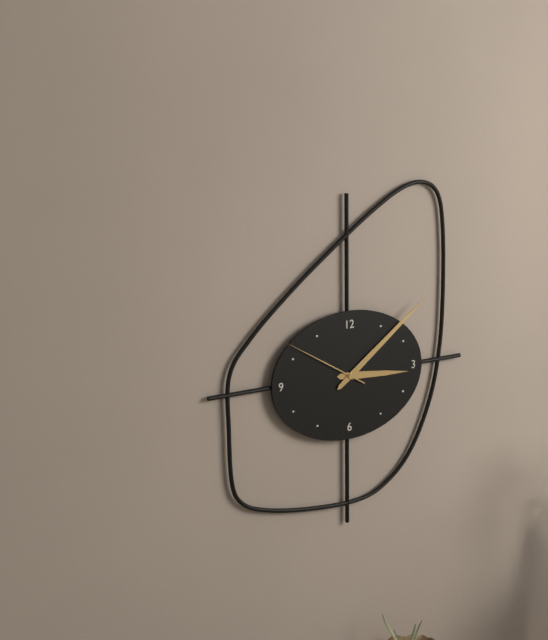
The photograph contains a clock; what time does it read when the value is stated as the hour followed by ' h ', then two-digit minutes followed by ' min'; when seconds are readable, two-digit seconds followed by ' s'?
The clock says 3 h 09 min 50 s
